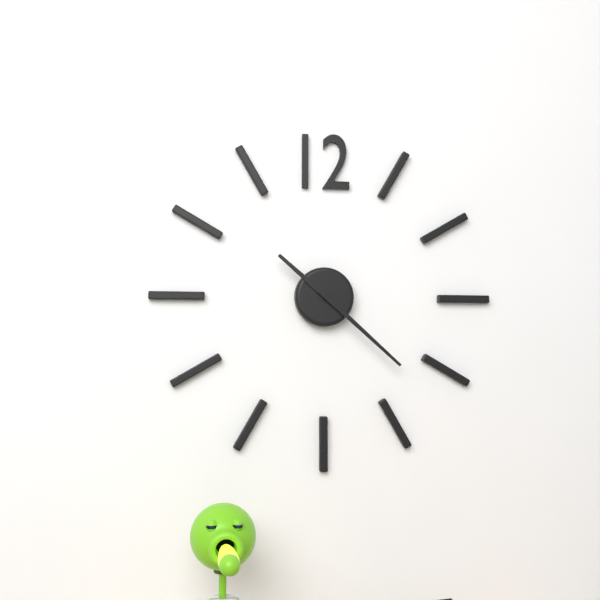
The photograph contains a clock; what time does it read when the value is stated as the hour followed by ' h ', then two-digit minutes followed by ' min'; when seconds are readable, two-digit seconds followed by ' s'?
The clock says 10 h 22 min
